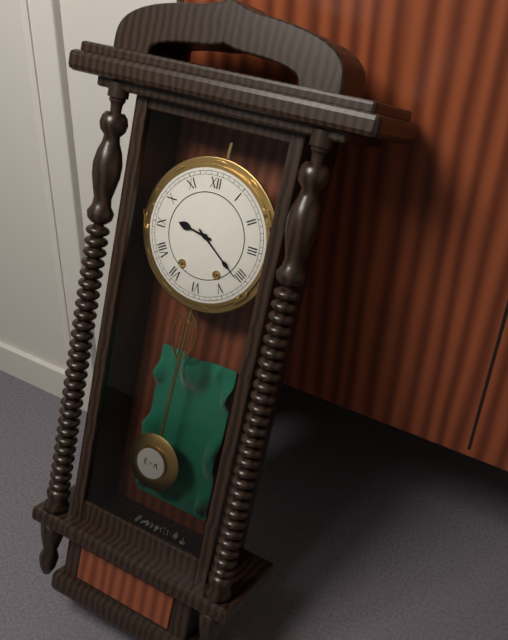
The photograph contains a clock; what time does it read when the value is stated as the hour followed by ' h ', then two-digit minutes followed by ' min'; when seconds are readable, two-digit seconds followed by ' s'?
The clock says 9 h 21 min
